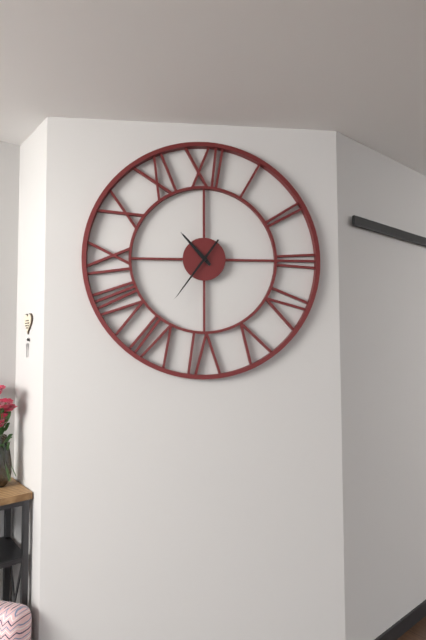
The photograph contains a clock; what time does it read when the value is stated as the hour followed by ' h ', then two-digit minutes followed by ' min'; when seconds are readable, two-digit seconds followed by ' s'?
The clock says 10 h 36 min
